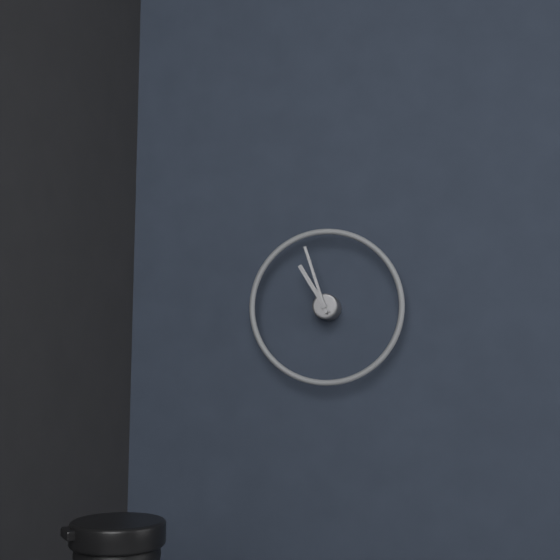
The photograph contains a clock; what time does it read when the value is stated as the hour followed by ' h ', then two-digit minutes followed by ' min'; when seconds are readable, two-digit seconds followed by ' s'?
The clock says 10 h 57 min
